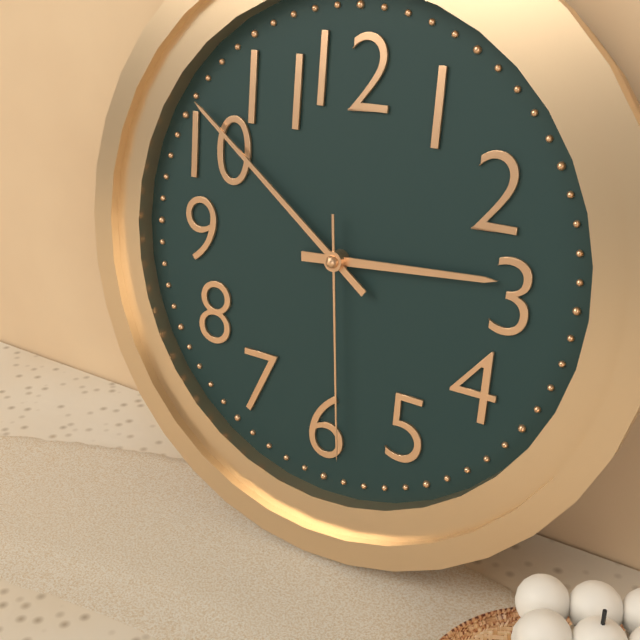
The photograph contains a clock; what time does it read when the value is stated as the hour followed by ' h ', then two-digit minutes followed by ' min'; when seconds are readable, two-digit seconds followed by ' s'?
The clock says 2 h 51 min 29 s
